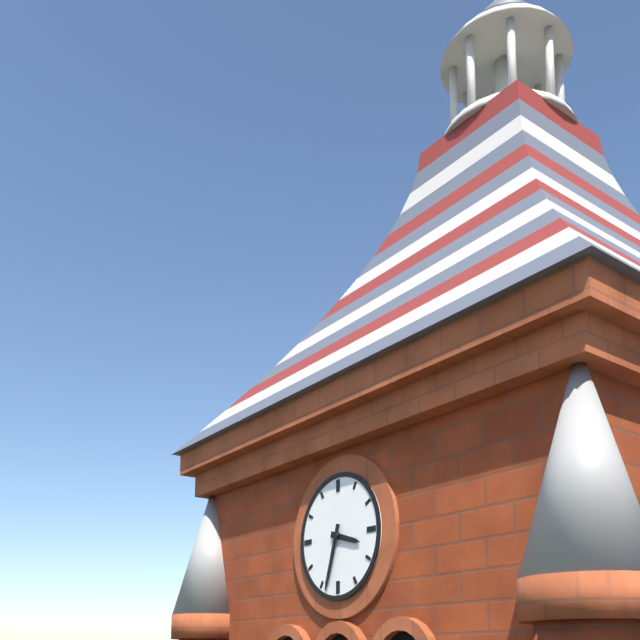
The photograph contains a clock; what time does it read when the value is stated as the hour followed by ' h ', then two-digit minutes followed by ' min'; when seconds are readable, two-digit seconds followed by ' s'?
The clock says 3 h 33 min
